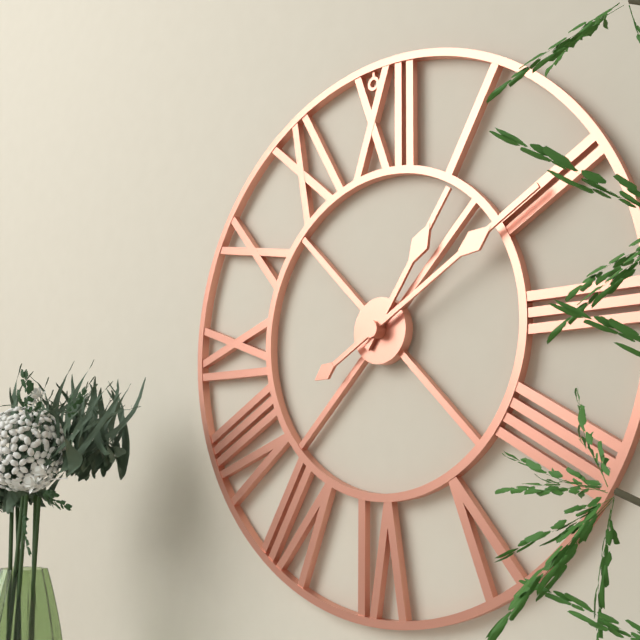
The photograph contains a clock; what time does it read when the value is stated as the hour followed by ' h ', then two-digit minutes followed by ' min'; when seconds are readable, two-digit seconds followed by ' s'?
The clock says 1 h 10 min
